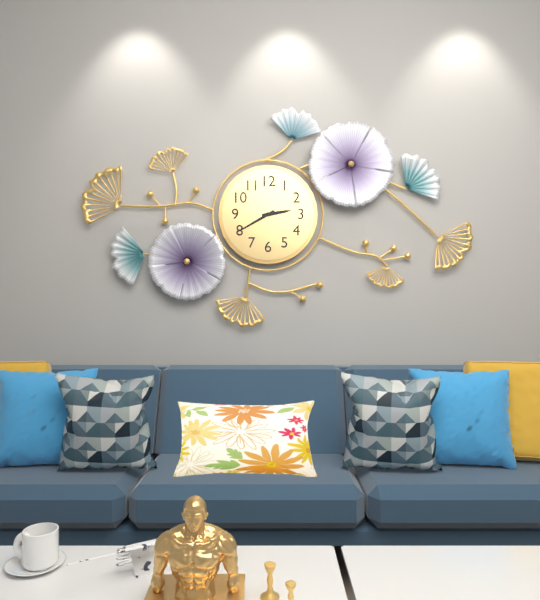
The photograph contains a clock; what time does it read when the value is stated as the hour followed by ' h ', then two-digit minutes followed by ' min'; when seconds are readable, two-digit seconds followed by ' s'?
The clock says 2 h 40 min
